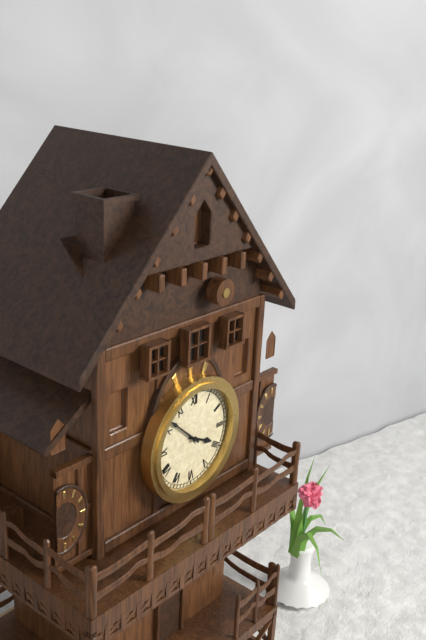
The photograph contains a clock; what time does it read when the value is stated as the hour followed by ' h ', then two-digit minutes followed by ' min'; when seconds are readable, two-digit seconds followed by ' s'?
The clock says 3 h 52 min
